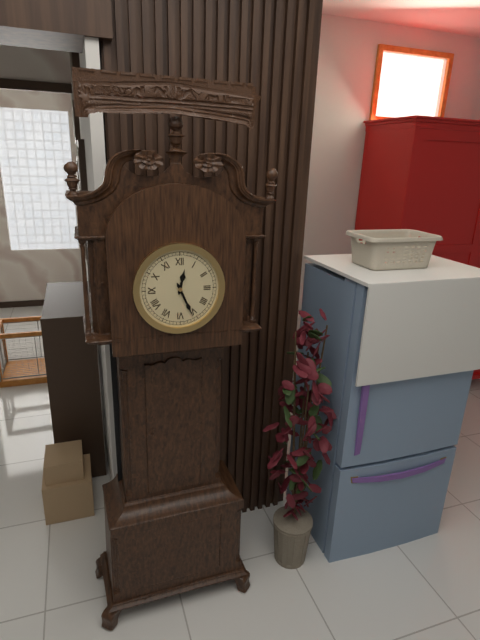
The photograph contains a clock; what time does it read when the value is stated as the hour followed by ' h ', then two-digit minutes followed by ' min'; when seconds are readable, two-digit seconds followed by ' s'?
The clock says 12 h 26 min
